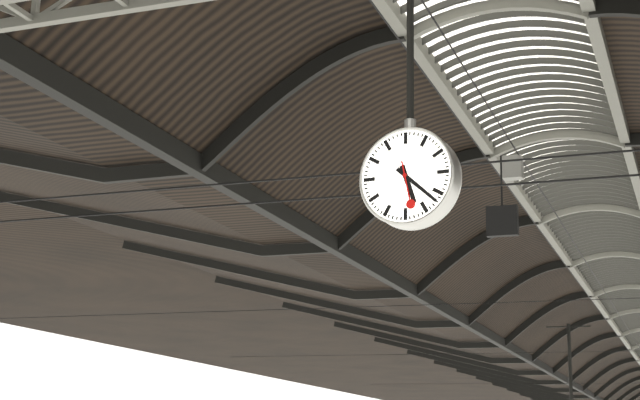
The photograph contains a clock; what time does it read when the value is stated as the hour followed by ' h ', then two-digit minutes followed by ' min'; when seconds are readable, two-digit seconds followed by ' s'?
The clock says 5 h 22 min
